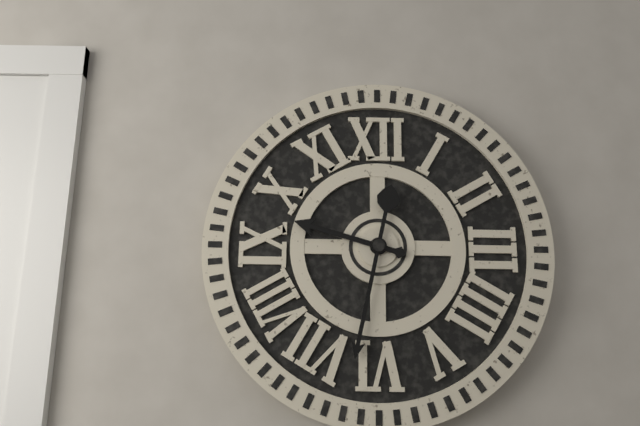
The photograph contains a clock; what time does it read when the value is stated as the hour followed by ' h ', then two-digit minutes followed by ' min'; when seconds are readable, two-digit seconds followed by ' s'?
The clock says 9 h 32 min
